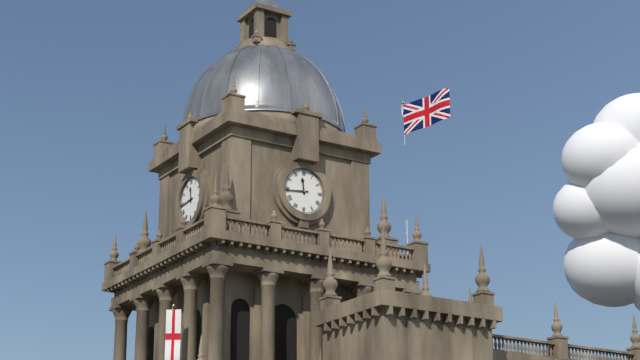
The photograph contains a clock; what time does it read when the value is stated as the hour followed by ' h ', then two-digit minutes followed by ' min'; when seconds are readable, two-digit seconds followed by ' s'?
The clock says 11 h 44 min
